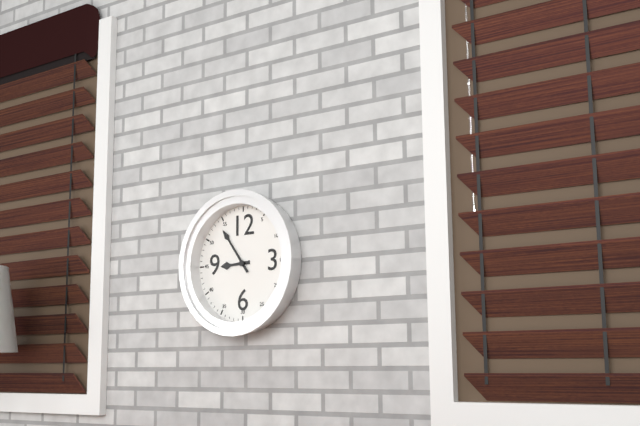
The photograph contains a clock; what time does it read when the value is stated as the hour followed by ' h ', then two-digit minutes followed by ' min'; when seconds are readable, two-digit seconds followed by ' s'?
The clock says 8 h 54 min
